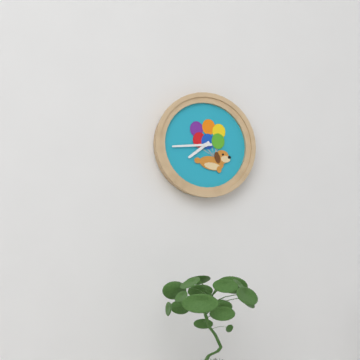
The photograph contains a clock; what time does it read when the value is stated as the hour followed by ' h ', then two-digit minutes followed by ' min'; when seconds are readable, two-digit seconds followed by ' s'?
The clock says 7 h 44 min
